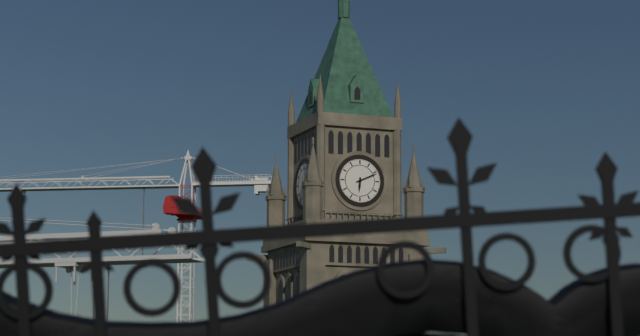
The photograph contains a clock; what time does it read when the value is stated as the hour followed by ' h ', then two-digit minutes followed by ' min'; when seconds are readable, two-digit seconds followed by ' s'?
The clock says 6 h 11 min
